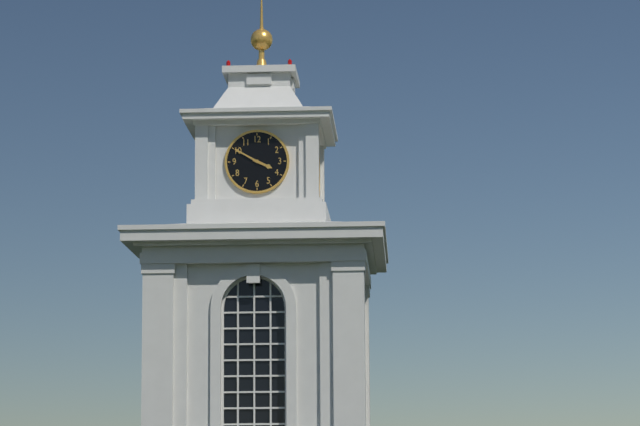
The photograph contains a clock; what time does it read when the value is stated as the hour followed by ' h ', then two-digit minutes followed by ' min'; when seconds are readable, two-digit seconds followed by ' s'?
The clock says 3 h 50 min
